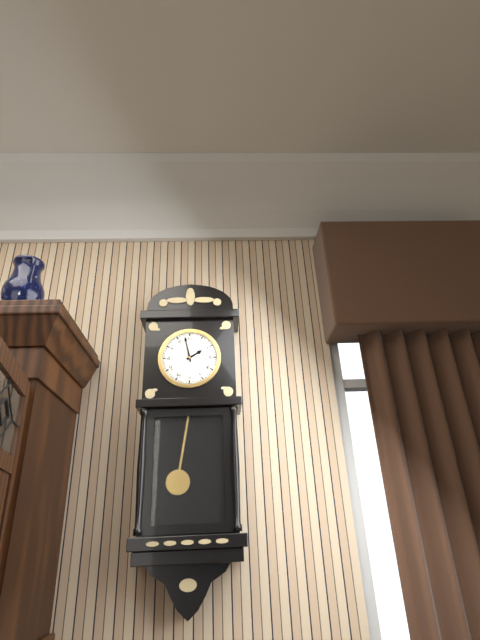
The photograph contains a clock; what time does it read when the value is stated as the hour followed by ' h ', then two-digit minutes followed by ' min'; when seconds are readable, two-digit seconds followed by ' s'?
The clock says 1 h 58 min
